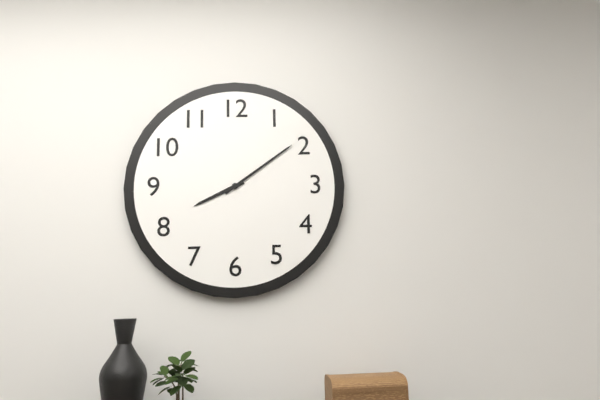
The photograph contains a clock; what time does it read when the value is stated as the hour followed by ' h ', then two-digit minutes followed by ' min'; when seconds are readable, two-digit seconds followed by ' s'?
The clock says 8 h 09 min
